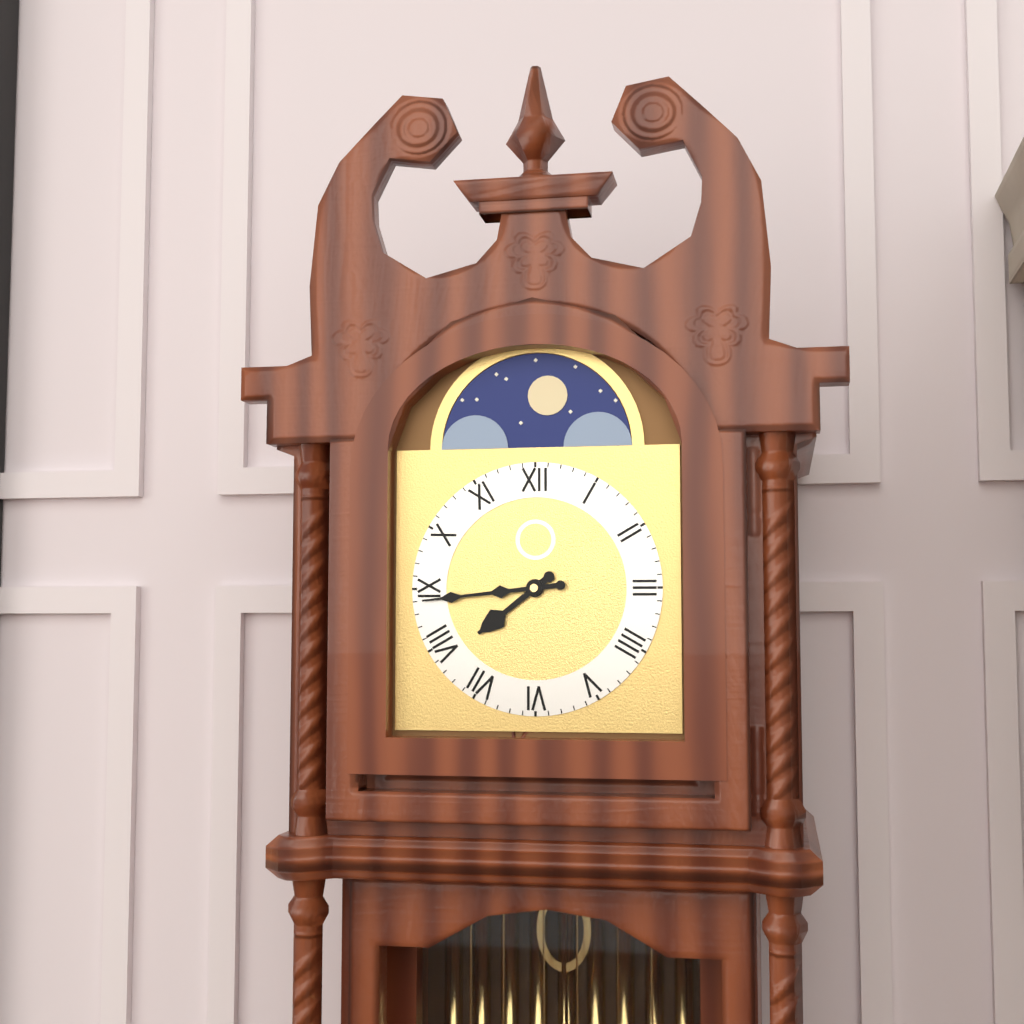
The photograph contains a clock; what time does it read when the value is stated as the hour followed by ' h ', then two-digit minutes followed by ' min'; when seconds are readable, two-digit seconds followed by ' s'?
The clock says 7 h 44 min
